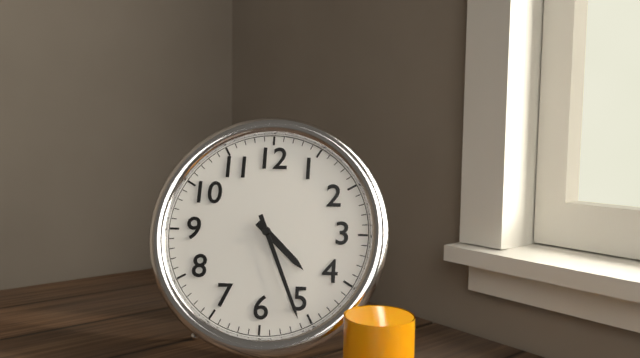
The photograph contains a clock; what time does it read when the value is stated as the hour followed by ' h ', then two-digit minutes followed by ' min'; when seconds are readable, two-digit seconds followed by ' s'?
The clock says 4 h 26 min
